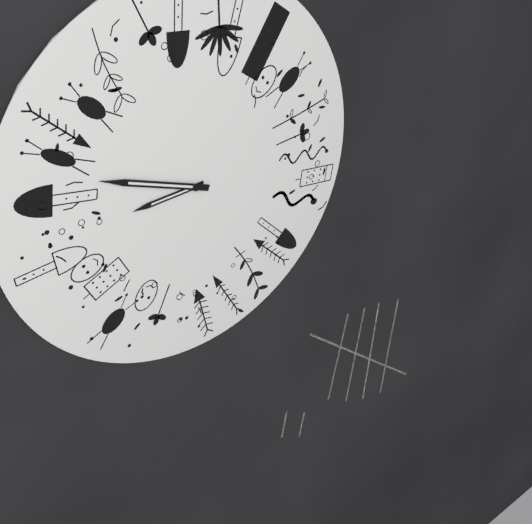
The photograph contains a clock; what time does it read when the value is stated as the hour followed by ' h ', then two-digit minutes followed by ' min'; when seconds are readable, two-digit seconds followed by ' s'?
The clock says 8 h 48 min
